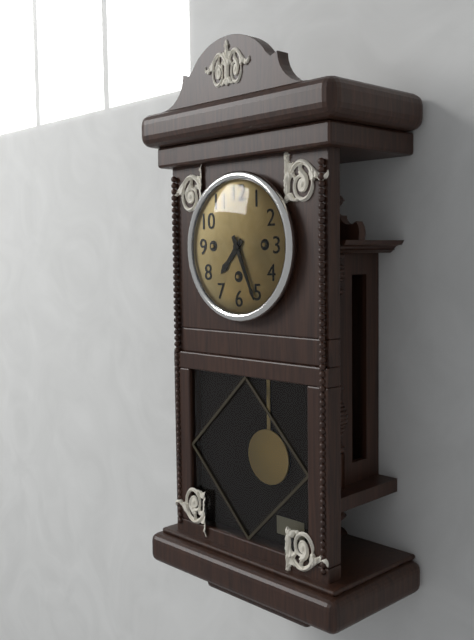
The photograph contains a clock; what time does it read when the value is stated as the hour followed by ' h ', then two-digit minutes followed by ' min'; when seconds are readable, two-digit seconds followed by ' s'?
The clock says 7 h 26 min
